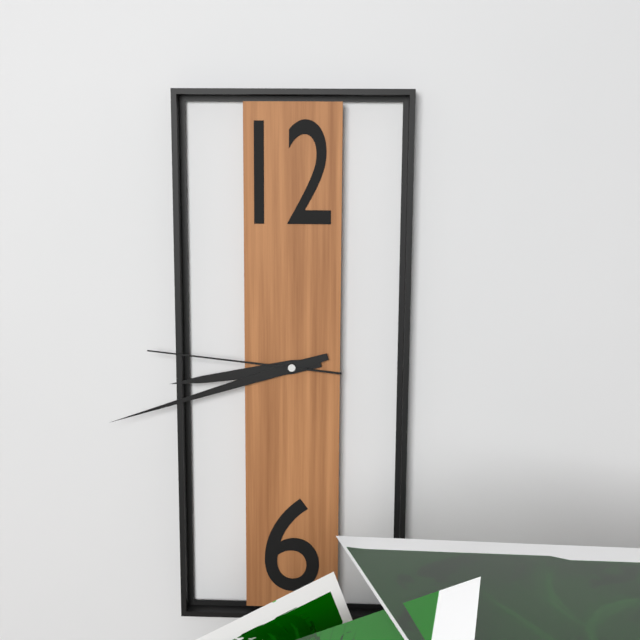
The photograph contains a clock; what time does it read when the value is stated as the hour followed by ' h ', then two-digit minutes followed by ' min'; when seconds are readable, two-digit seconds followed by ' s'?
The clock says 8 h 42 min 46 s
